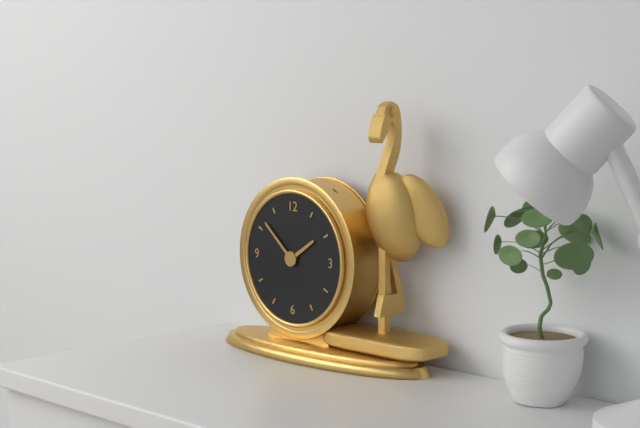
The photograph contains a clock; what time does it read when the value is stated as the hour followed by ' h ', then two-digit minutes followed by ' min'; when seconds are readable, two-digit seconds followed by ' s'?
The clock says 1 h 52 min
